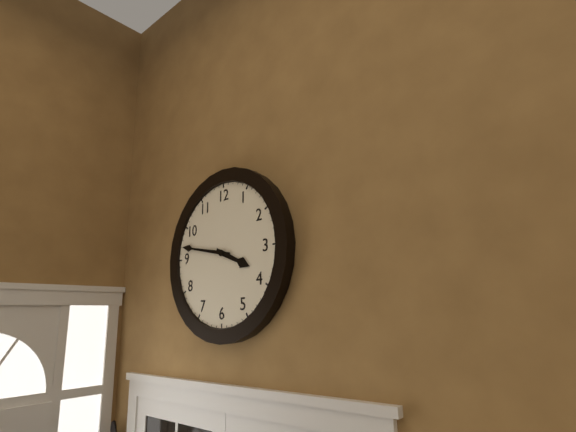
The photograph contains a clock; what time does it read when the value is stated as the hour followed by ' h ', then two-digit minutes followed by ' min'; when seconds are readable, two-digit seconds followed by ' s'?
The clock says 3 h 47 min
